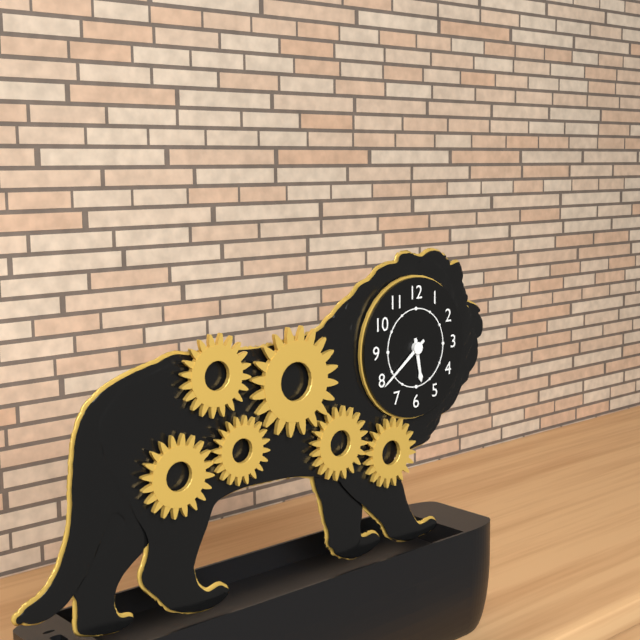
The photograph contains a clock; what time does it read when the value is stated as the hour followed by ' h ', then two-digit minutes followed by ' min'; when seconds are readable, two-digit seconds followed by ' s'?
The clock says 5 h 39 min
